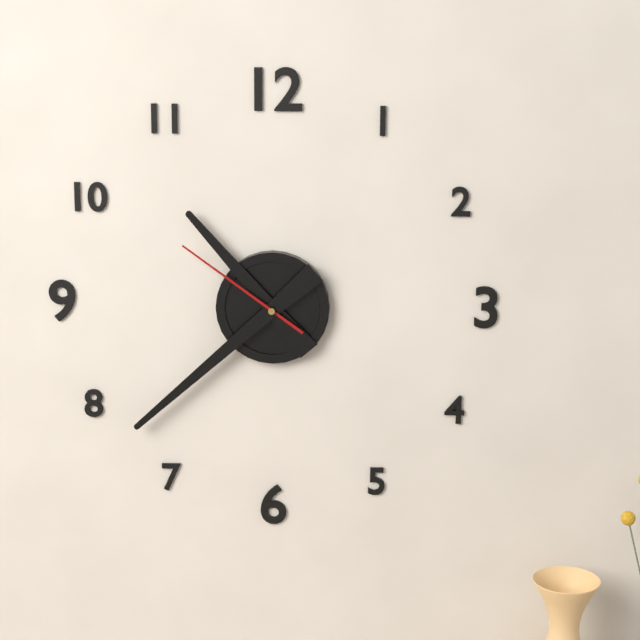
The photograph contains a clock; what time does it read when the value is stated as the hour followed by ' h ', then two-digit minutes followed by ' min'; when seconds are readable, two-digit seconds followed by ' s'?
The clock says 10 h 38 min 51 s
